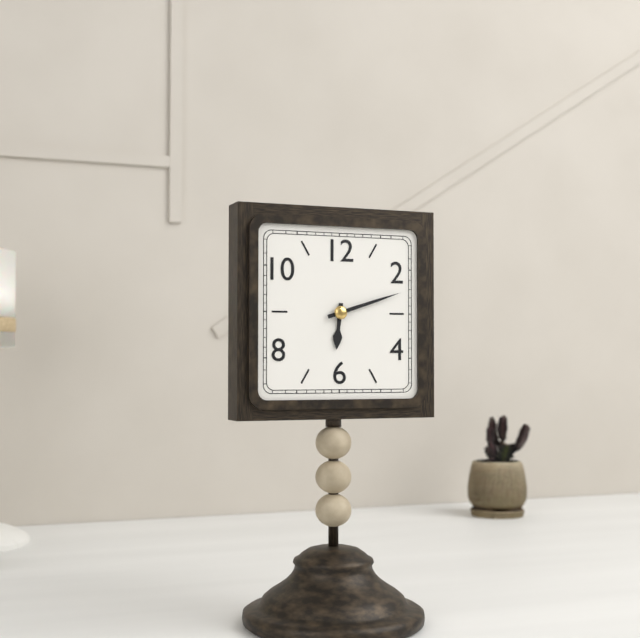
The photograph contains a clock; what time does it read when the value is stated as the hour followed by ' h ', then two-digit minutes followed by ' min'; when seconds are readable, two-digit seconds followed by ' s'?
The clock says 6 h 12 min
